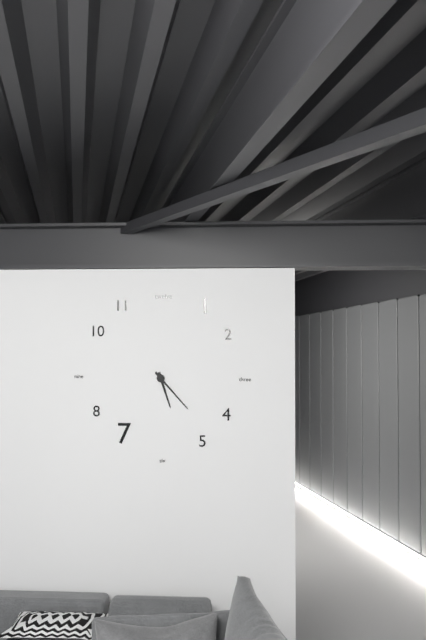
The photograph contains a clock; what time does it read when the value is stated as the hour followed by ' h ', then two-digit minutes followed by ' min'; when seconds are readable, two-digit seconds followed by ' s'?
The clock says 5 h 23 min
